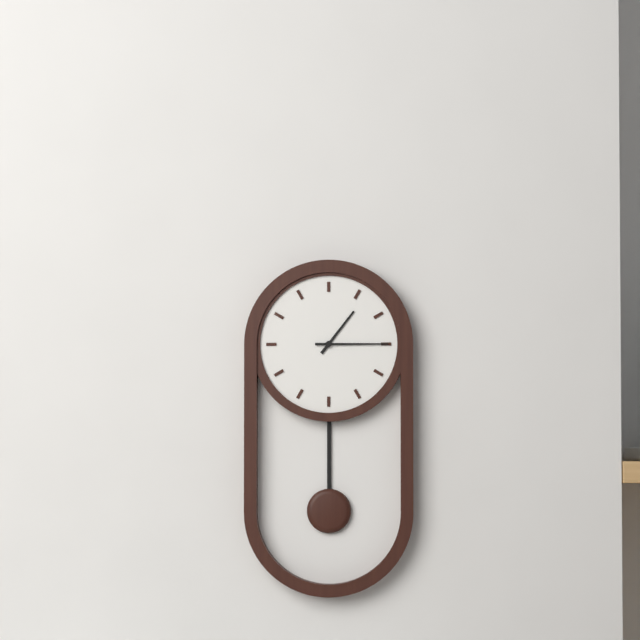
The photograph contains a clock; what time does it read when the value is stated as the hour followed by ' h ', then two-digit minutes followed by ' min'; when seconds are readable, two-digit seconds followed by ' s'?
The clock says 1 h 15 min
